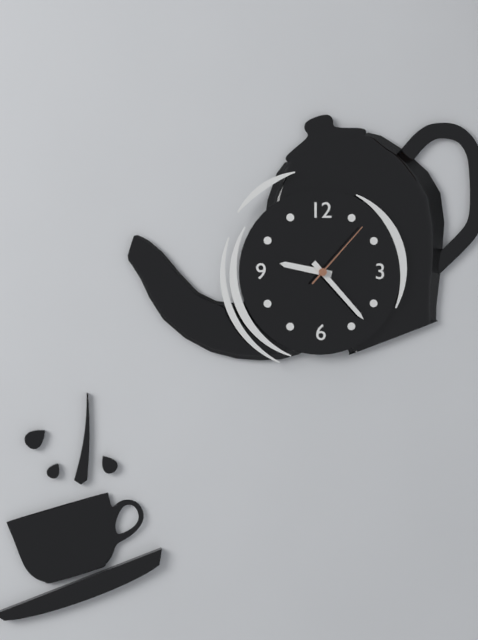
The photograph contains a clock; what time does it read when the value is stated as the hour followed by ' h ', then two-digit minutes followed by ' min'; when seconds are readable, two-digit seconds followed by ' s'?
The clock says 9 h 23 min 07 s
